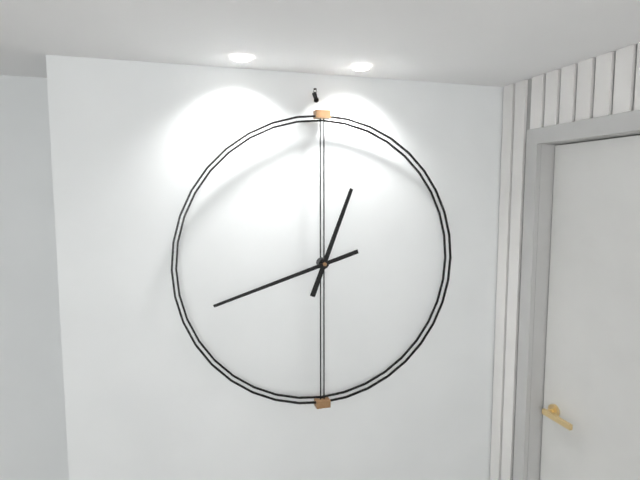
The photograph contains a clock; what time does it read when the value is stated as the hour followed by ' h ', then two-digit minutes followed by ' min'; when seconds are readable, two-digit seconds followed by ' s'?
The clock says 12 h 42 min
